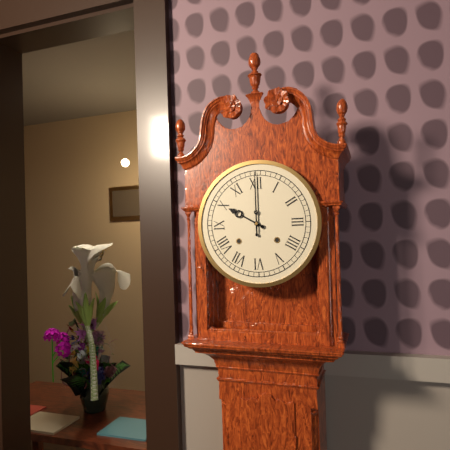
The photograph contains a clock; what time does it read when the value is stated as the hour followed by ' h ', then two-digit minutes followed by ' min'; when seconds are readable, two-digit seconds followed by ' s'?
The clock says 10 h 00 min
